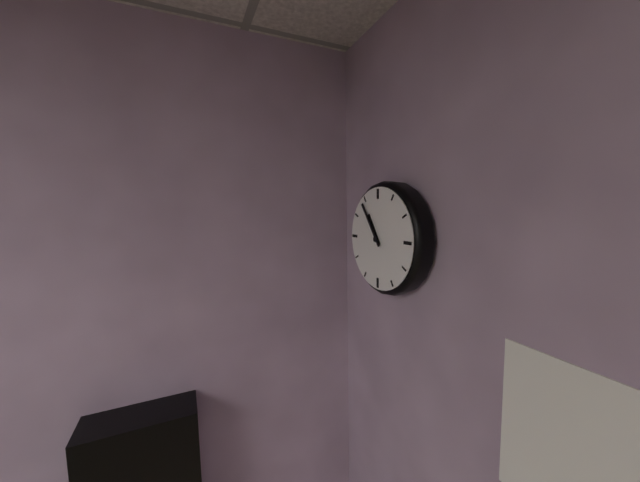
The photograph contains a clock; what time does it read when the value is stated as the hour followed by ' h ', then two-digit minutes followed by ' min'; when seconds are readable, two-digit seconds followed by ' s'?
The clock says 10 h 54 min
